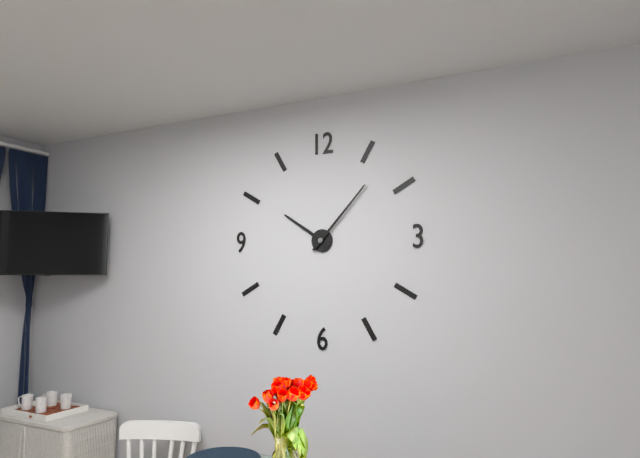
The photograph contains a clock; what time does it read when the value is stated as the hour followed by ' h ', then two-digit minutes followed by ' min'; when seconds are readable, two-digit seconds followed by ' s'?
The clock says 10 h 07 min
